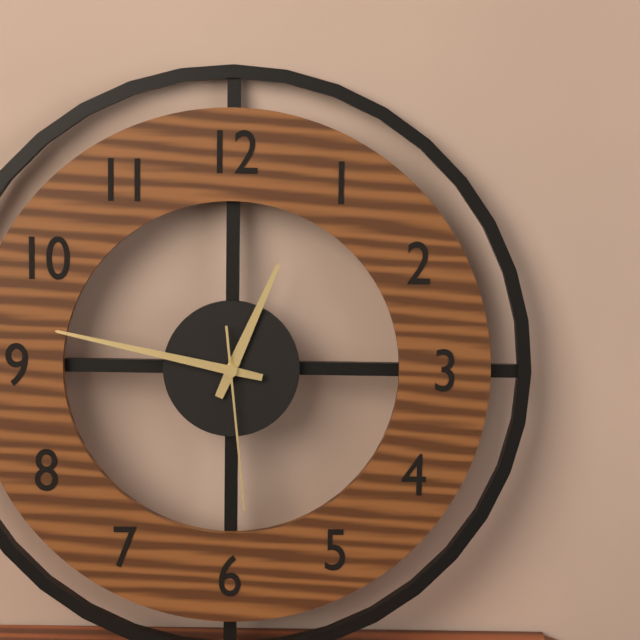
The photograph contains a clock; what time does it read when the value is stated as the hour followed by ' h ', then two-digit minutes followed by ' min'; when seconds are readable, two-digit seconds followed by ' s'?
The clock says 12 h 47 min 29 s
